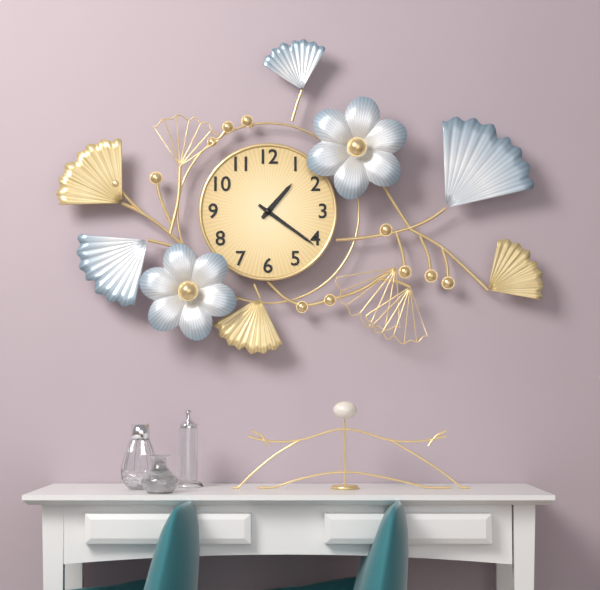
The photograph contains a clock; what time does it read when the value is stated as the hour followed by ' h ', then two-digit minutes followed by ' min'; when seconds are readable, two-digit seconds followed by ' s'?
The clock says 1 h 21 min
